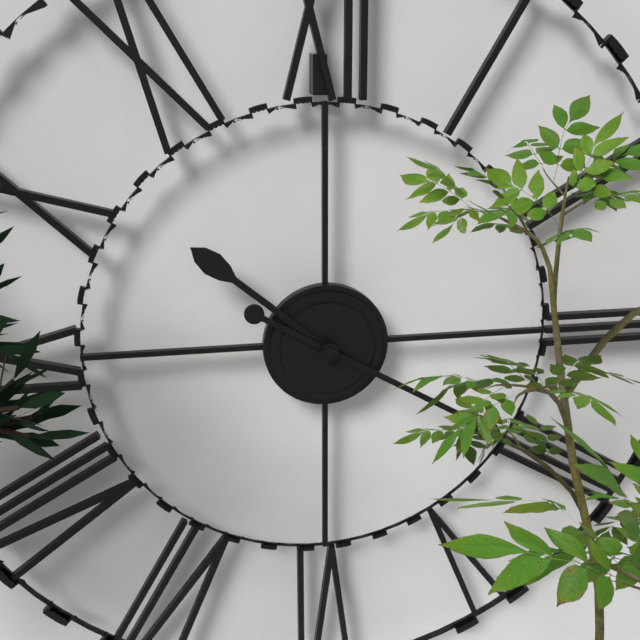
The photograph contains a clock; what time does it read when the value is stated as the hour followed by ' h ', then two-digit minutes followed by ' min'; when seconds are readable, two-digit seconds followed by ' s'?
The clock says 10 h 20 min
